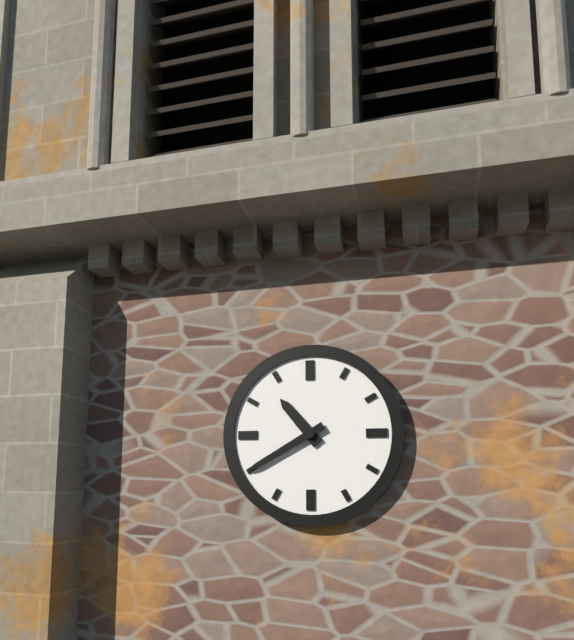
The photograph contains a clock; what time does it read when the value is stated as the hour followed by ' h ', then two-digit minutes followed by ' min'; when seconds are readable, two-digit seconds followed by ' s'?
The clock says 10 h 40 min
